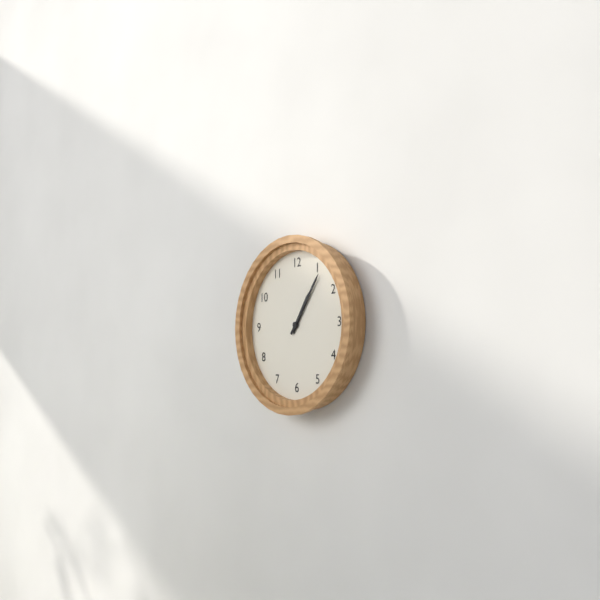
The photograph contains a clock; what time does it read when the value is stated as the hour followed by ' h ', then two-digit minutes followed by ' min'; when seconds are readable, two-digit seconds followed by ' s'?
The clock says 1 h 06 min
